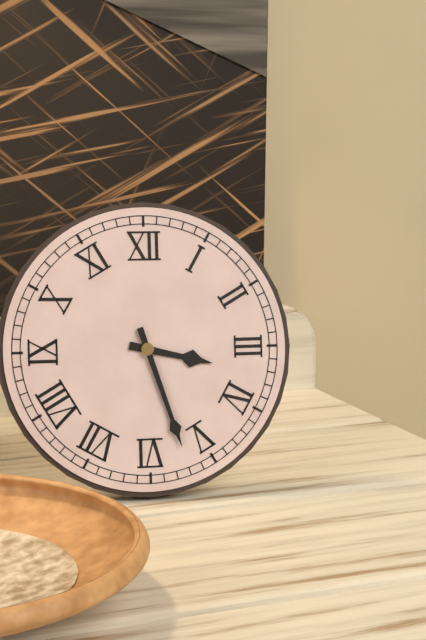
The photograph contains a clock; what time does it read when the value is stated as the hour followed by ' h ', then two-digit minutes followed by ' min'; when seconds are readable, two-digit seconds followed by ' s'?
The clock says 3 h 27 min
